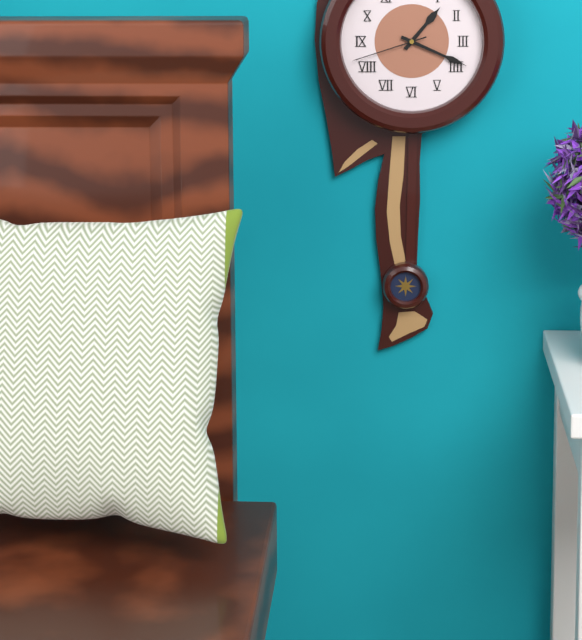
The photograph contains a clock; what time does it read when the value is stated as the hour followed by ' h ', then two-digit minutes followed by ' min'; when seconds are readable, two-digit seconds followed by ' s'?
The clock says 1 h 19 min 42 s
